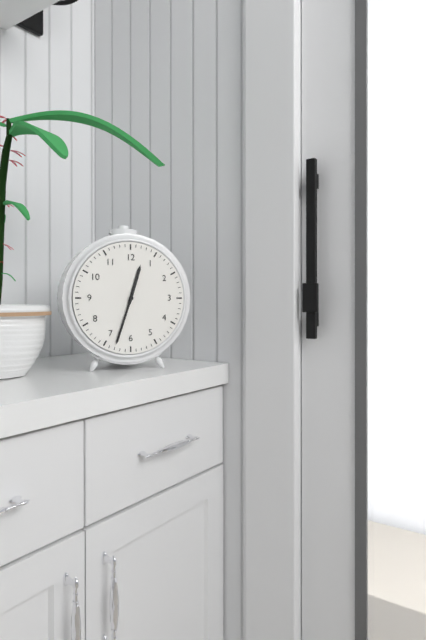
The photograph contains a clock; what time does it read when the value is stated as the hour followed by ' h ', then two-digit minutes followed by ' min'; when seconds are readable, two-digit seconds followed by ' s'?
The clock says 12 h 33 min
